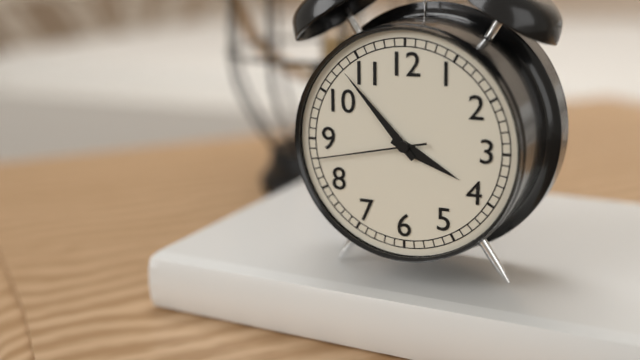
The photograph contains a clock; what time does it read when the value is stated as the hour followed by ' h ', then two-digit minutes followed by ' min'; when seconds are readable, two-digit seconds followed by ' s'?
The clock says 3 h 53 min 43 s
